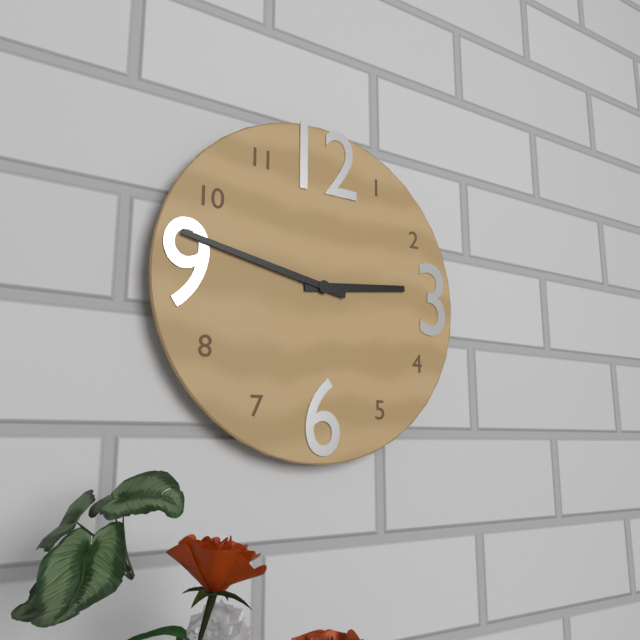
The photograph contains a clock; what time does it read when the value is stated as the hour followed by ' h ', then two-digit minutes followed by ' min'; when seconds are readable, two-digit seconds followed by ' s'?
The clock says 2 h 47 min
